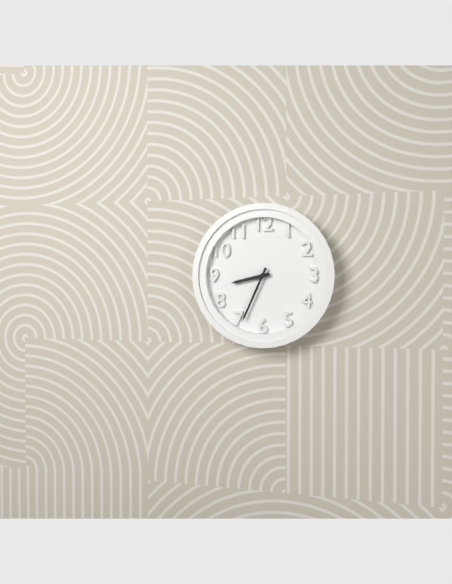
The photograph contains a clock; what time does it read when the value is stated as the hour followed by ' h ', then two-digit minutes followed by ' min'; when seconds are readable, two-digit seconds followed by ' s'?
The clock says 8 h 34 min
